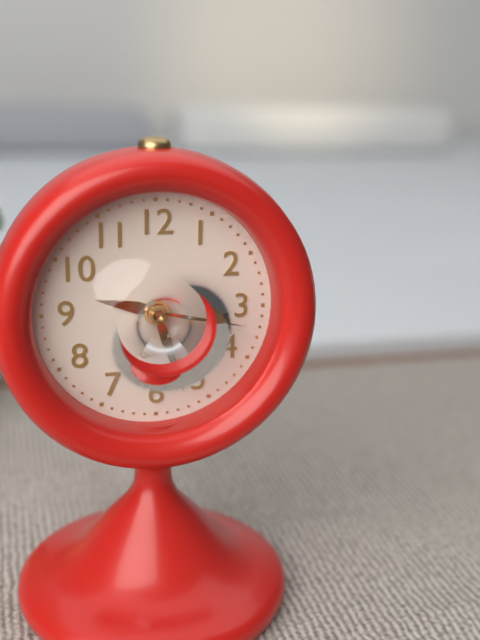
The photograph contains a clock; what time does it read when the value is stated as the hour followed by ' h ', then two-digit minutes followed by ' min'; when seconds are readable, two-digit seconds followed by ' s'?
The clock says 9 h 27 min 17 s
